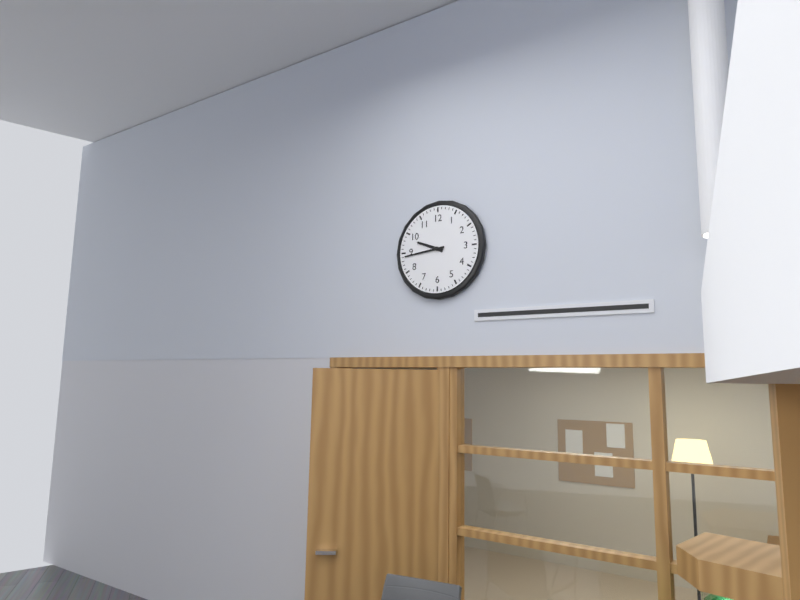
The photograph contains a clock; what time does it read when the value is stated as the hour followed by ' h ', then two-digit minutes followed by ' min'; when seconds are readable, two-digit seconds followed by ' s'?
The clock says 9 h 44 min
